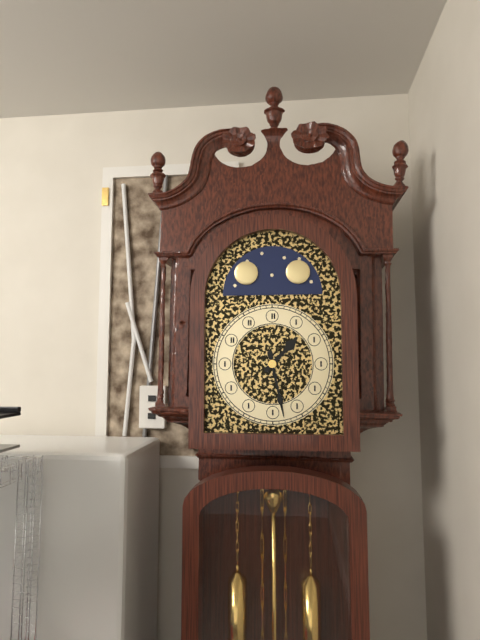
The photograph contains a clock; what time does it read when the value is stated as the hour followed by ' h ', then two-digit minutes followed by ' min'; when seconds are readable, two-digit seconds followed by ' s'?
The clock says 1 h 28 min
